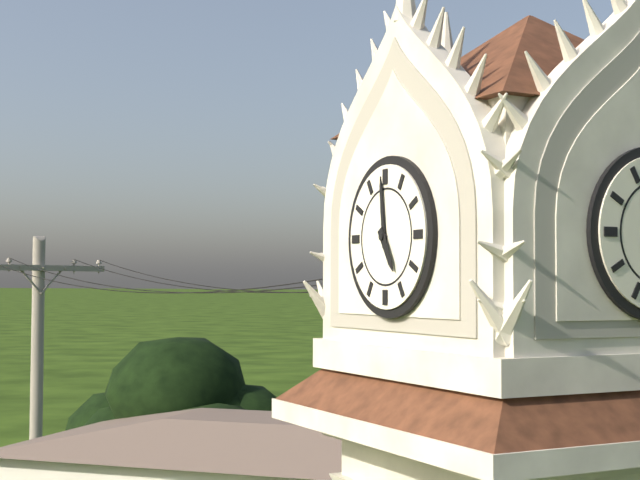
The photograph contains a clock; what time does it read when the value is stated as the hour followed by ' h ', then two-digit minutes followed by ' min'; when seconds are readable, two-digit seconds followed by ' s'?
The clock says 4 h 59 min
